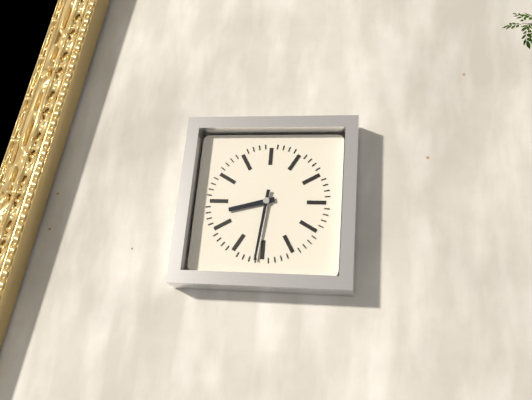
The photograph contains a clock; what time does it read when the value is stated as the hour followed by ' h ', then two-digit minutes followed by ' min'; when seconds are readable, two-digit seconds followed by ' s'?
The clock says 8 h 31 min
